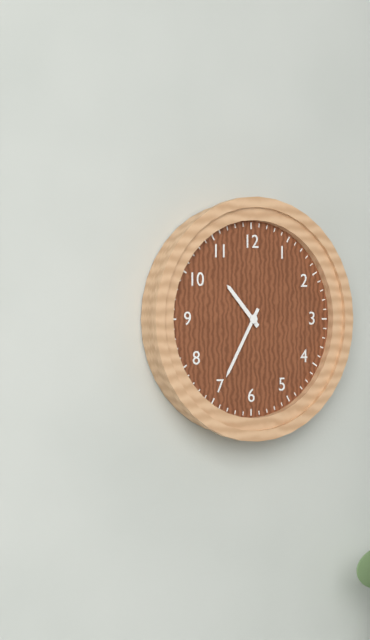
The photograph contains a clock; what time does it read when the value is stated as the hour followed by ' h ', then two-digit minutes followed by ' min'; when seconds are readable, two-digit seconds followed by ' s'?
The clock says 10 h 35 min
